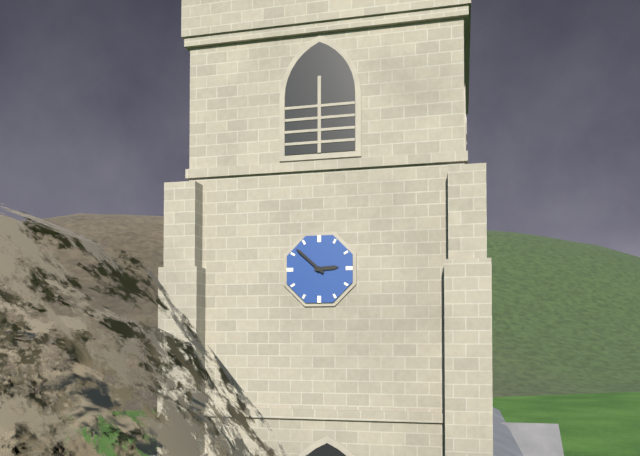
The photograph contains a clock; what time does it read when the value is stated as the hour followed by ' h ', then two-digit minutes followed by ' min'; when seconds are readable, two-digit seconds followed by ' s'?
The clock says 2 h 52 min
